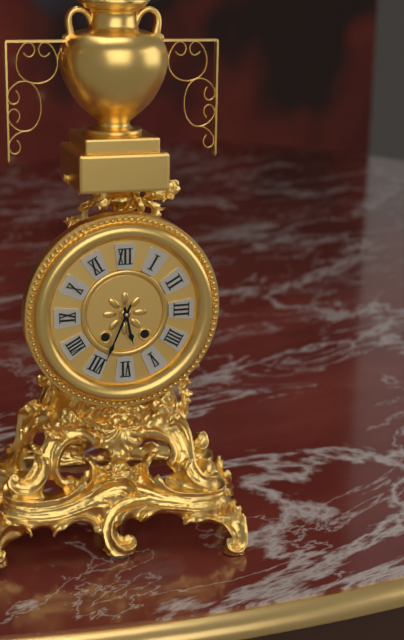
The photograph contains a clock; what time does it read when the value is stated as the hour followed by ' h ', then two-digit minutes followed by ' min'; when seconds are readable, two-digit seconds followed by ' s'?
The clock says 5 h 34 min
